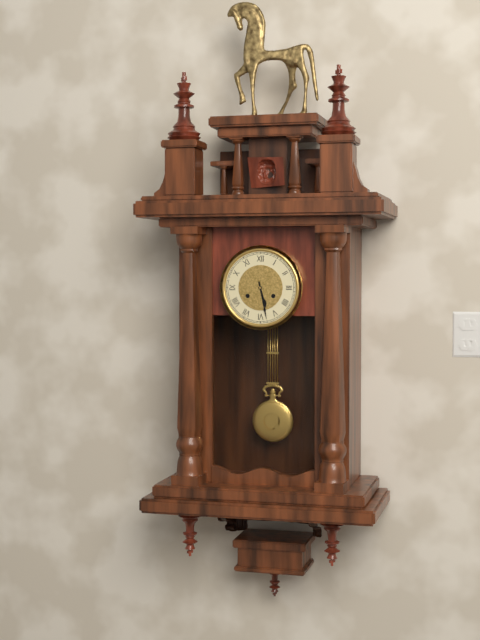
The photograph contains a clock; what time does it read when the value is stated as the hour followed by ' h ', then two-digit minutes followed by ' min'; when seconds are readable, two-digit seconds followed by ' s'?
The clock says 5 h 28 min
